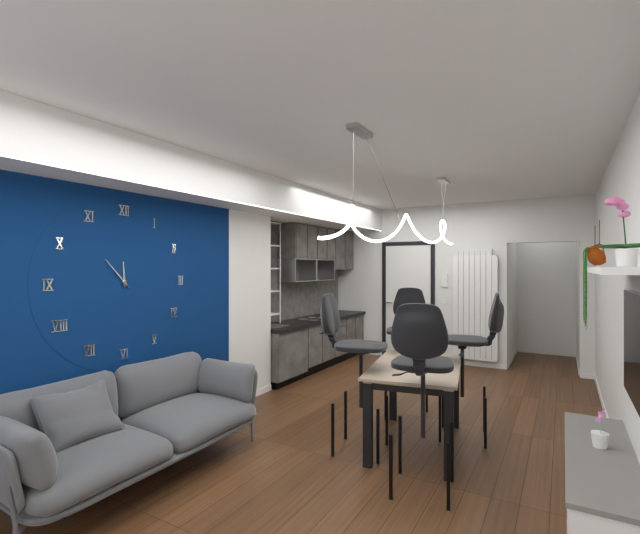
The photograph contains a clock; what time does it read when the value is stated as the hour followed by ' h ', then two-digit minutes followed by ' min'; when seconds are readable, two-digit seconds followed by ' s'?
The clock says 11 h 53 min
